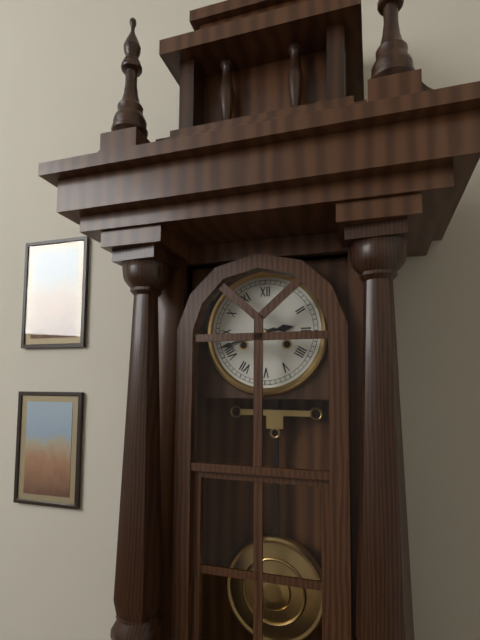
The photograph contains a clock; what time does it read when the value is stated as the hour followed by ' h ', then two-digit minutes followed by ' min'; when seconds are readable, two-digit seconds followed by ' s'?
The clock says 2 h 42 min
